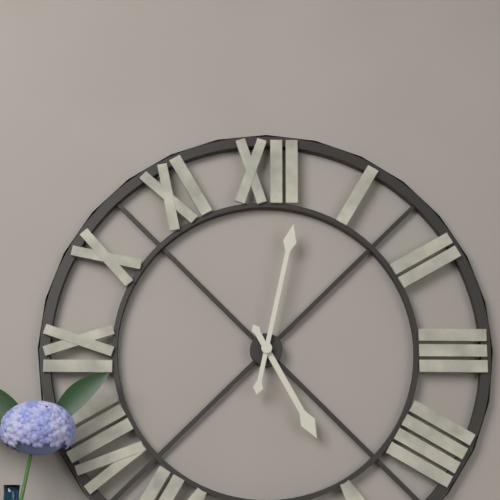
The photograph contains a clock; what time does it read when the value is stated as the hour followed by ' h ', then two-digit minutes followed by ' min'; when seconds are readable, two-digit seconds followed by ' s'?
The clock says 5 h 02 min
